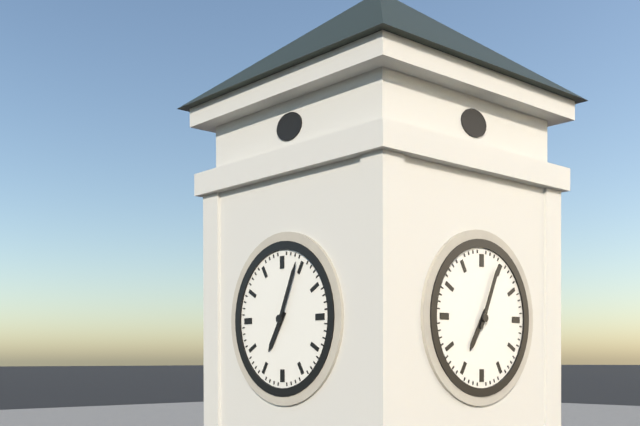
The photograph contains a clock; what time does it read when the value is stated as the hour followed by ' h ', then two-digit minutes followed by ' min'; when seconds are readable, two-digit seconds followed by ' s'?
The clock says 7 h 04 min
